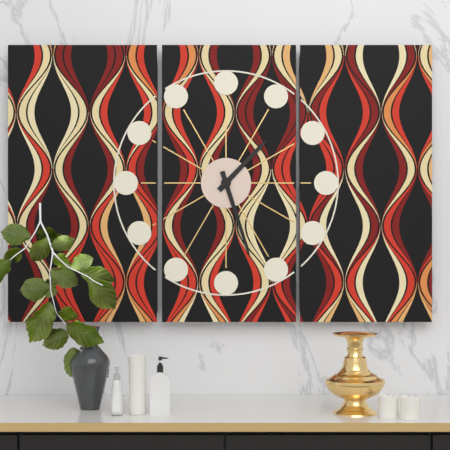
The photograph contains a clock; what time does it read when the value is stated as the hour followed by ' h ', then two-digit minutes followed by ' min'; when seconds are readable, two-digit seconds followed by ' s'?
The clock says 1 h 27 min
